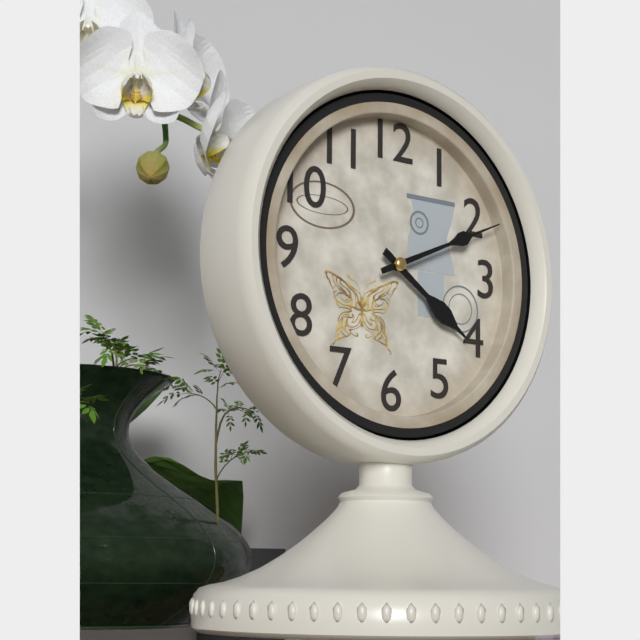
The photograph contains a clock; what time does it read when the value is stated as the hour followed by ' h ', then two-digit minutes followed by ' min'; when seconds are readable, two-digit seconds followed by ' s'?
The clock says 4 h 11 min
